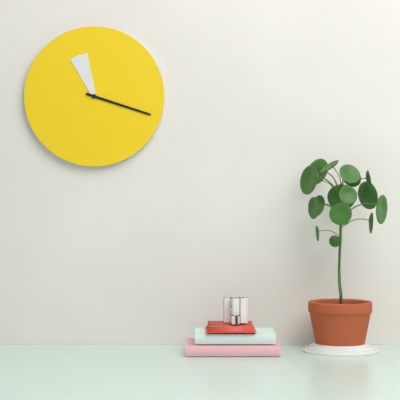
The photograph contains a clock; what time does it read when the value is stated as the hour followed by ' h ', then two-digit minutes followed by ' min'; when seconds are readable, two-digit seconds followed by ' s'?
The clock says 11 h 18 min
